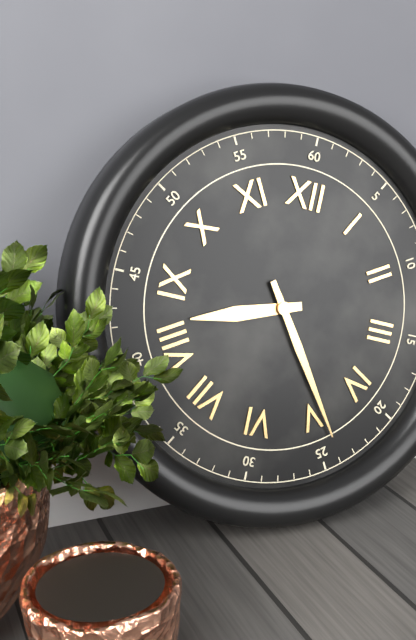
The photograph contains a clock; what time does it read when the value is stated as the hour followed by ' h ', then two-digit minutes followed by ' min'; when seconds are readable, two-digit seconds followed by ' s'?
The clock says 8 h 24 min
